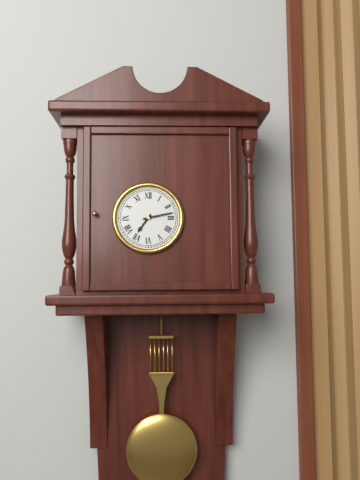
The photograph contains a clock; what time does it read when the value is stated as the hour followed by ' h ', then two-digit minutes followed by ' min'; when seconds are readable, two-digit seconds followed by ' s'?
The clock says 7 h 13 min
